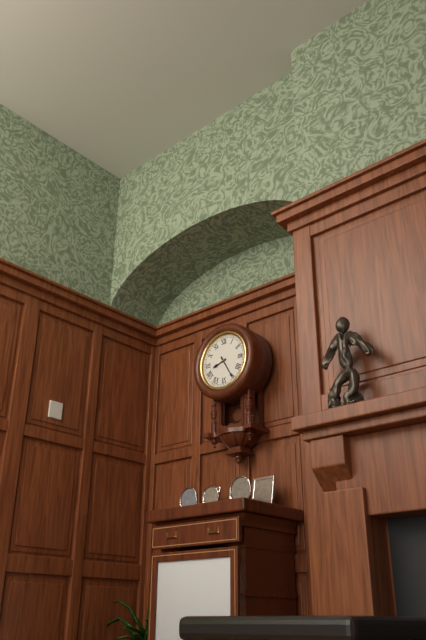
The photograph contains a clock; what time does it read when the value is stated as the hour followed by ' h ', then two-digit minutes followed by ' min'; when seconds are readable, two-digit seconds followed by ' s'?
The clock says 8 h 25 min
